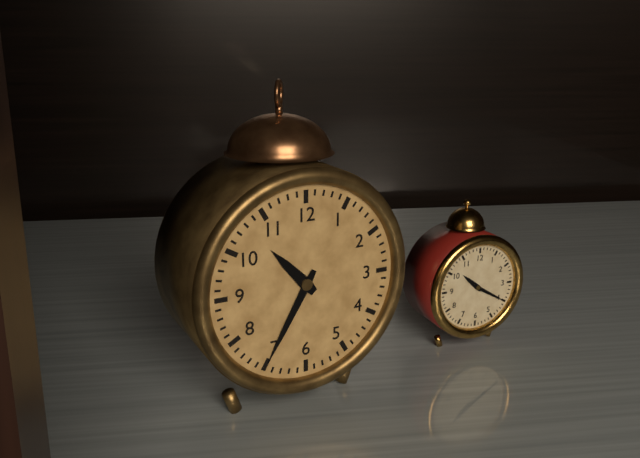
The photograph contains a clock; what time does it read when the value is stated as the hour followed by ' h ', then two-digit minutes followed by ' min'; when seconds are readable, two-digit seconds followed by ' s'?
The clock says 10 h 35 min
